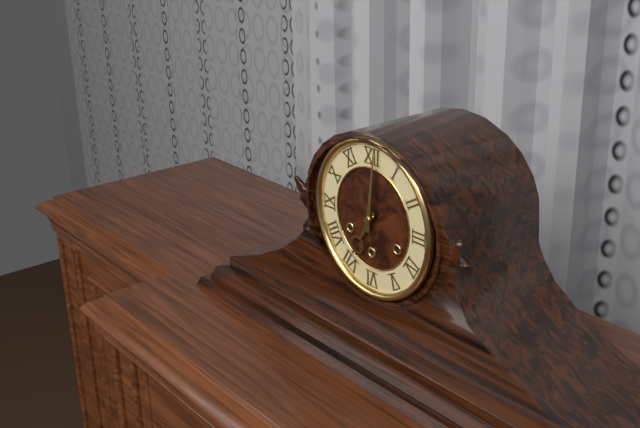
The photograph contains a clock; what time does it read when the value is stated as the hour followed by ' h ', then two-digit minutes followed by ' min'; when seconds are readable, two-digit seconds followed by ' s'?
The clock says 7 h 01 min
